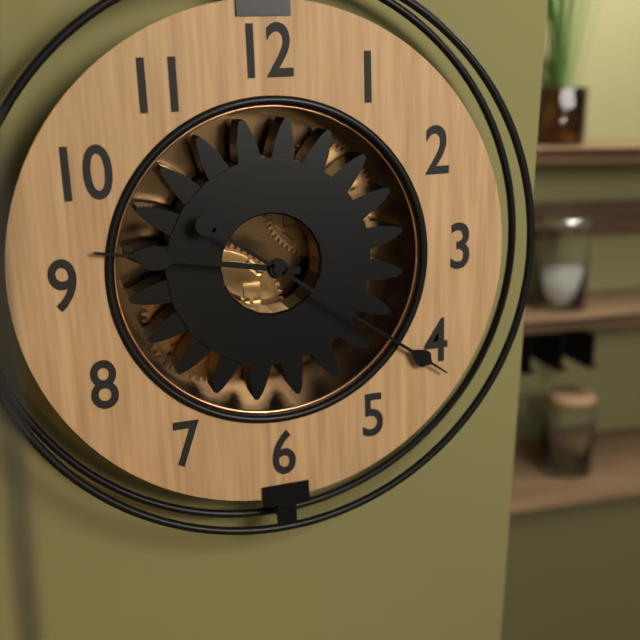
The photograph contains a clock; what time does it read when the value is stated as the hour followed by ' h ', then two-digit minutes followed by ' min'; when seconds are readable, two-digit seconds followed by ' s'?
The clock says 9 h 21 min
